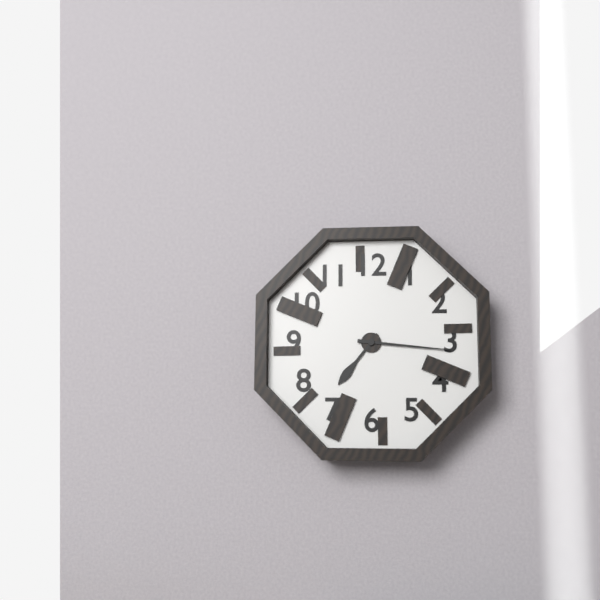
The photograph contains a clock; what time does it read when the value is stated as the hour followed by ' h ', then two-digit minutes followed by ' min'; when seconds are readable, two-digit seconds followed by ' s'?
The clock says 7 h 16 min
